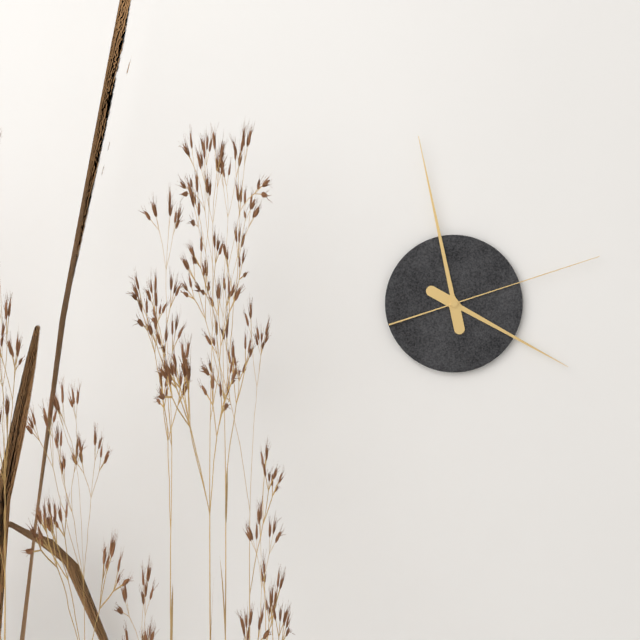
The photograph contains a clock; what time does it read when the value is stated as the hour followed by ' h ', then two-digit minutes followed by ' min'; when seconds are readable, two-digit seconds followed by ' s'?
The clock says 3 h 58 min 12 s
